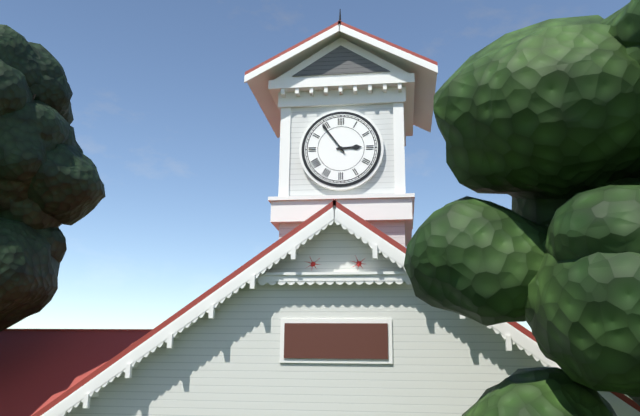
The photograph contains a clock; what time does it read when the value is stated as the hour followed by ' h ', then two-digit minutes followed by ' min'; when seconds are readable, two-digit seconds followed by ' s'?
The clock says 2 h 54 min
